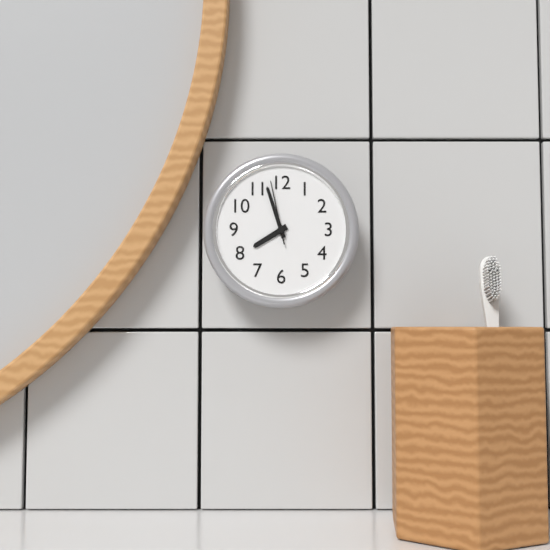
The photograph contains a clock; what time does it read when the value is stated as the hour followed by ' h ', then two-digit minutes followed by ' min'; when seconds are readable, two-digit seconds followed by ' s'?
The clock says 7 h 57 min 58 s
